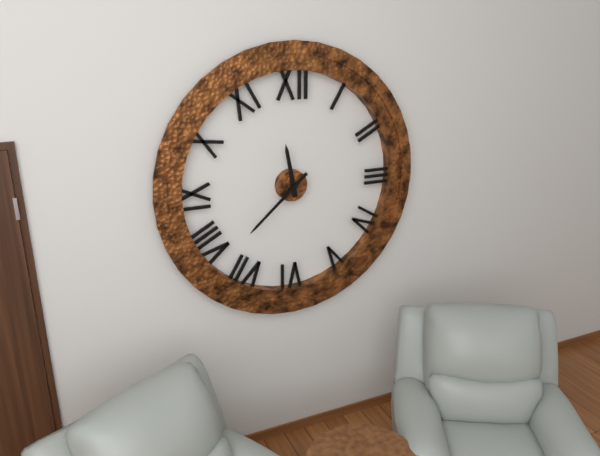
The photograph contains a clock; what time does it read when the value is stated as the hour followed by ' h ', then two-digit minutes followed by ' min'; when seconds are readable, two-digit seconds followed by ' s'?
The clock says 11 h 38 min
